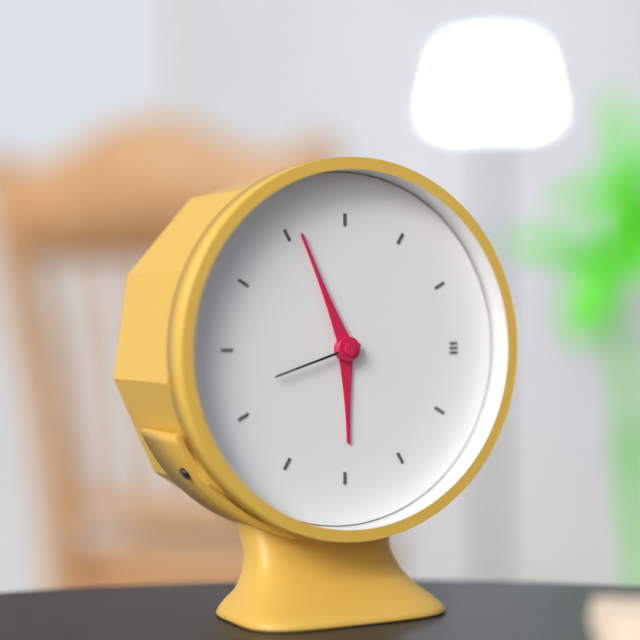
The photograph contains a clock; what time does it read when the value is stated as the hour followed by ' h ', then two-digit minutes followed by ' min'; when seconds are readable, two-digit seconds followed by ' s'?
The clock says 5 h 56 min 42 s
